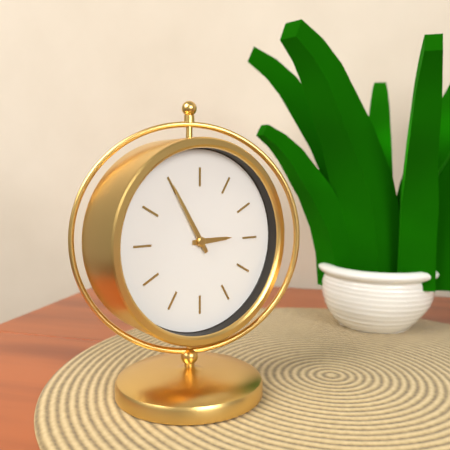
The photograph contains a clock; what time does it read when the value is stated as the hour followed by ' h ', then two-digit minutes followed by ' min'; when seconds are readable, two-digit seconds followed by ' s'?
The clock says 2 h 55 min
